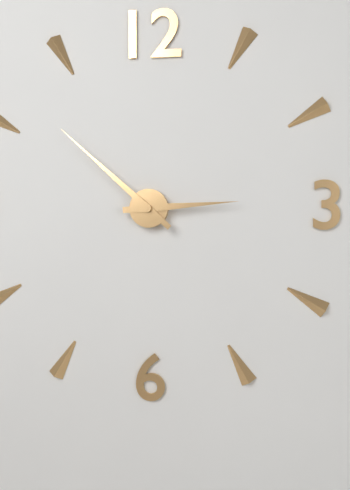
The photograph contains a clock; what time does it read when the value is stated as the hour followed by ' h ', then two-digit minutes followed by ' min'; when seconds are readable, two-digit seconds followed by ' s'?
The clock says 2 h 52 min
